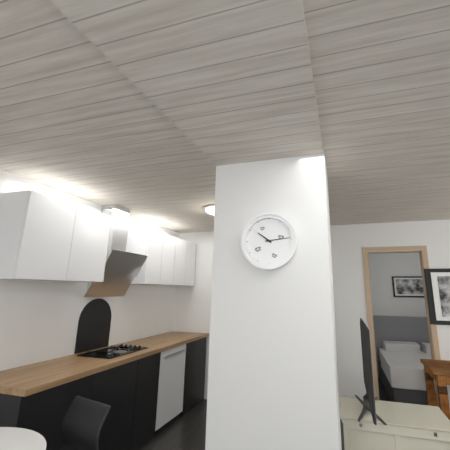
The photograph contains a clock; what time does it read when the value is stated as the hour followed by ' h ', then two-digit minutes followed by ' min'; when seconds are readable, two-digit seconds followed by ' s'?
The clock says 10 h 14 min
